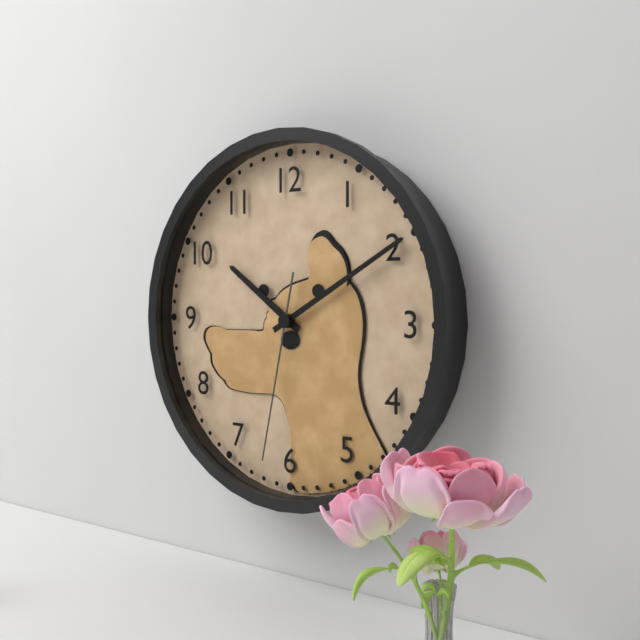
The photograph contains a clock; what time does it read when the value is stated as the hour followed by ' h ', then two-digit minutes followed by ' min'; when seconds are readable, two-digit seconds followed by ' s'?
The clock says 10 h 10 min 32 s
